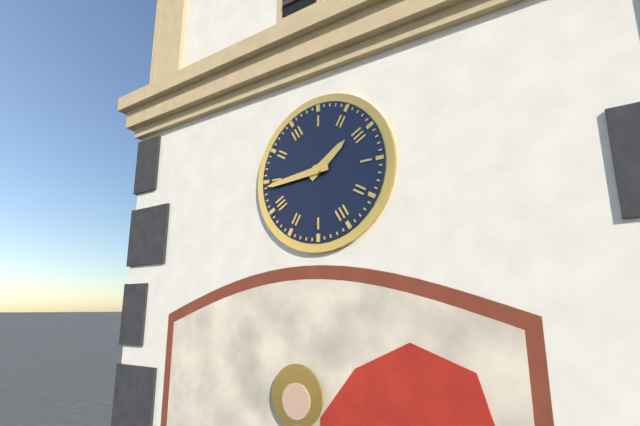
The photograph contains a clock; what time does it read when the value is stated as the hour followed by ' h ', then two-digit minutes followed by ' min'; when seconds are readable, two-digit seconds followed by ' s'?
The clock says 1 h 44 min
